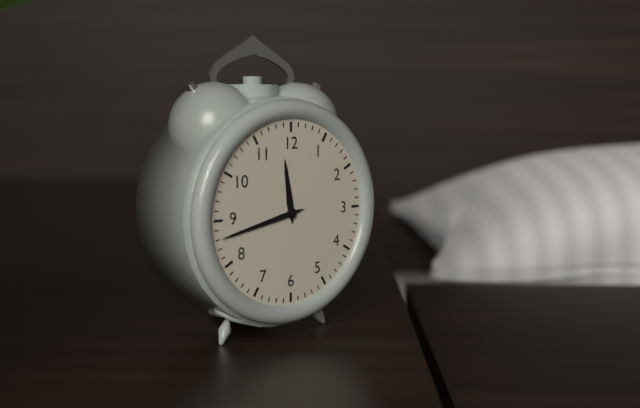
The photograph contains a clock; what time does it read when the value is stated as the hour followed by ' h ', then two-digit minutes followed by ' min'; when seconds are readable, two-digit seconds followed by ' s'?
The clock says 11 h 43 min
